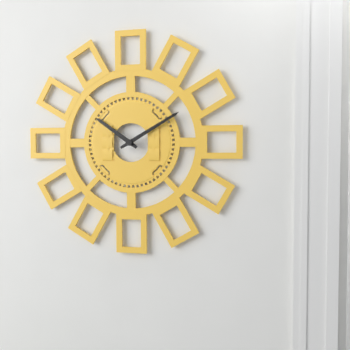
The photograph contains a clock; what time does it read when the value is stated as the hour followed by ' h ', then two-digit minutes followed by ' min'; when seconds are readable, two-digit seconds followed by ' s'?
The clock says 10 h 10 min
